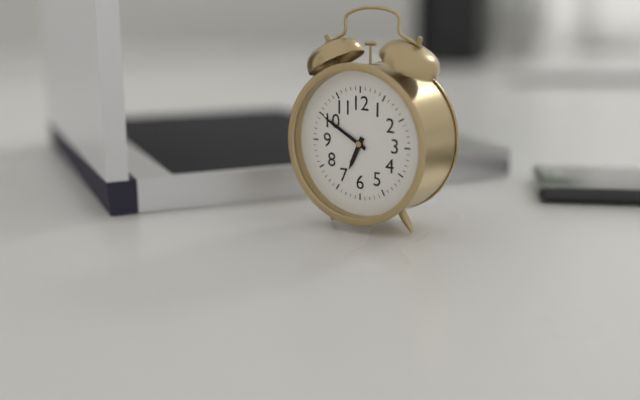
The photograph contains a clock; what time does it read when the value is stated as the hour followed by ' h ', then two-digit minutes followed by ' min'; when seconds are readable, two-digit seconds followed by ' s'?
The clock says 6 h 50 min
